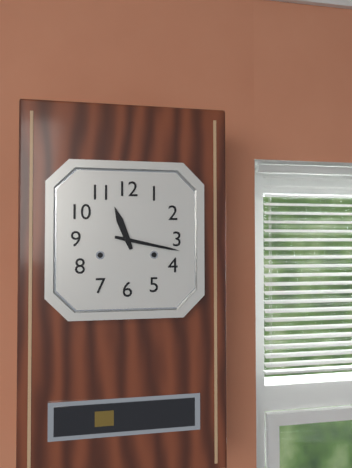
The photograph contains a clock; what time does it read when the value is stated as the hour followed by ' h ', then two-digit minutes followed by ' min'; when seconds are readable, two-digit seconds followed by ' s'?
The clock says 11 h 17 min
